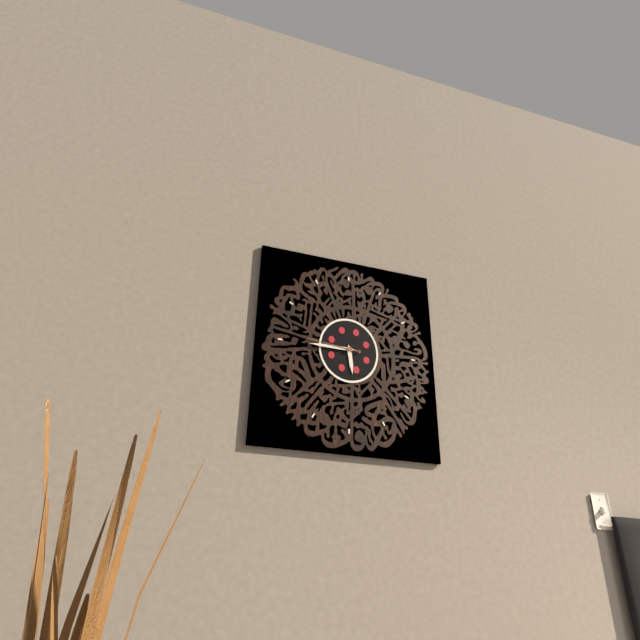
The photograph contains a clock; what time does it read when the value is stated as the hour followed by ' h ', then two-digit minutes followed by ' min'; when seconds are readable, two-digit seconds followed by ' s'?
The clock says 5 h 45 min 46 s
